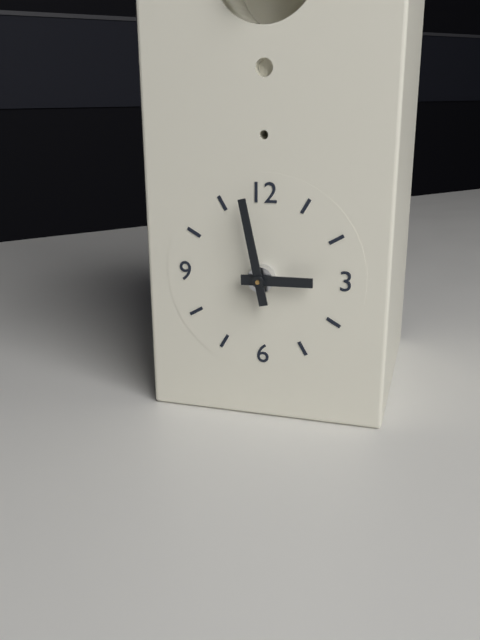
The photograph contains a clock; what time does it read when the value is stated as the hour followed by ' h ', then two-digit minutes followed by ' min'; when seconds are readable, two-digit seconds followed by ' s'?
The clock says 2 h 58 min
